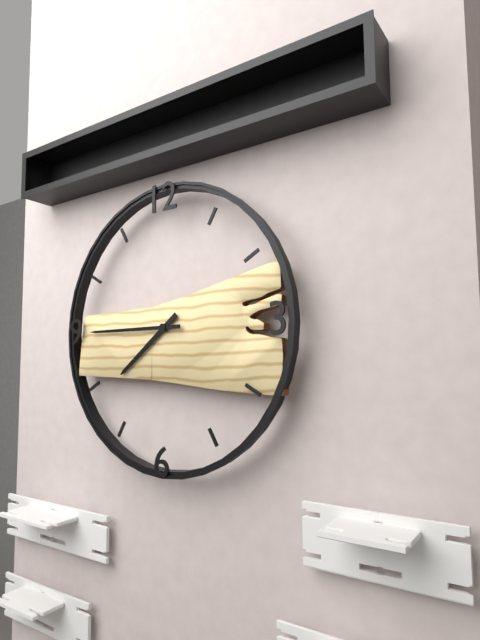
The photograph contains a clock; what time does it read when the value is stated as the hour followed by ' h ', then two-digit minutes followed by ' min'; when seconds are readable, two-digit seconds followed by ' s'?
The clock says 7 h 45 min
